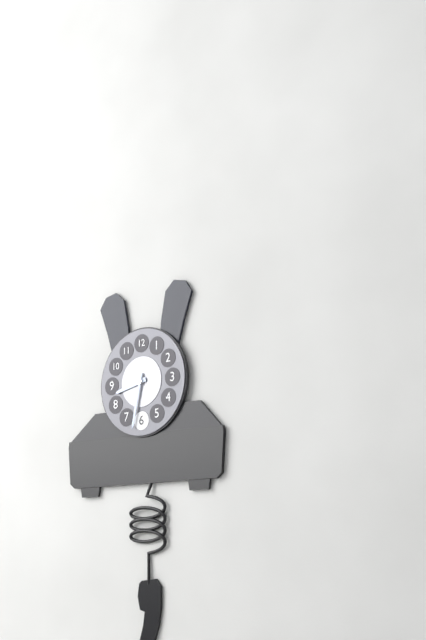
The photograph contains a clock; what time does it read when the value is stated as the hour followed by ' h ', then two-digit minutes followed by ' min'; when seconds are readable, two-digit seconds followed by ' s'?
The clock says 8 h 32 min
